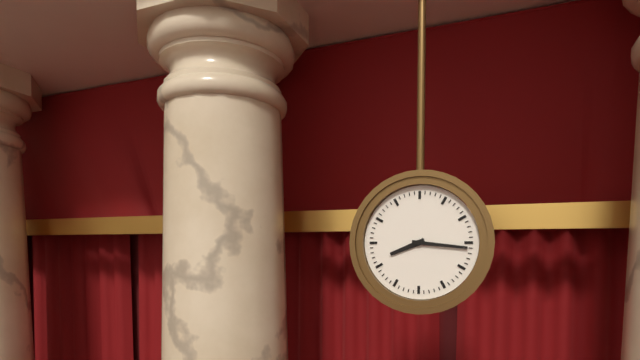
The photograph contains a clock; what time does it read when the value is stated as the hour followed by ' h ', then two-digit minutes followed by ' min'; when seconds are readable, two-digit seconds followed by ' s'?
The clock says 8 h 16 min
